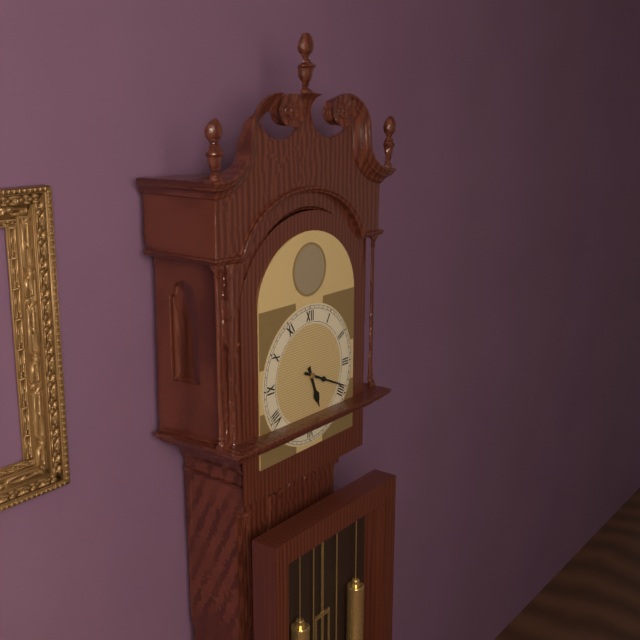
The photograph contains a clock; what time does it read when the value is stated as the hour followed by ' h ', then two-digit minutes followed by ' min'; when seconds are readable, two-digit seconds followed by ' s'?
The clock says 5 h 19 min
